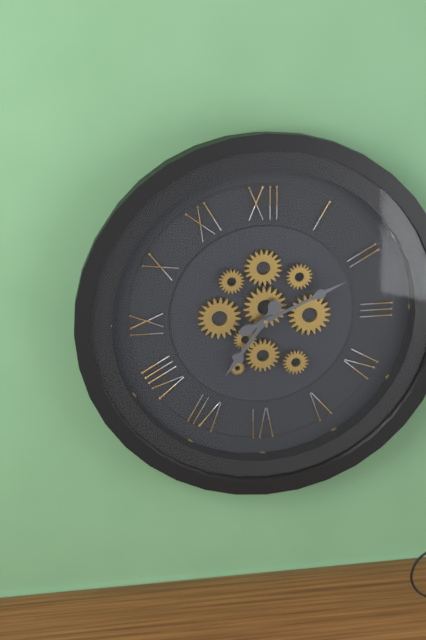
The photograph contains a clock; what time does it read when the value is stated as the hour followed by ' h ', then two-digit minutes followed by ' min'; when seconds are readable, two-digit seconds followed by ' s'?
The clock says 7 h 11 min
